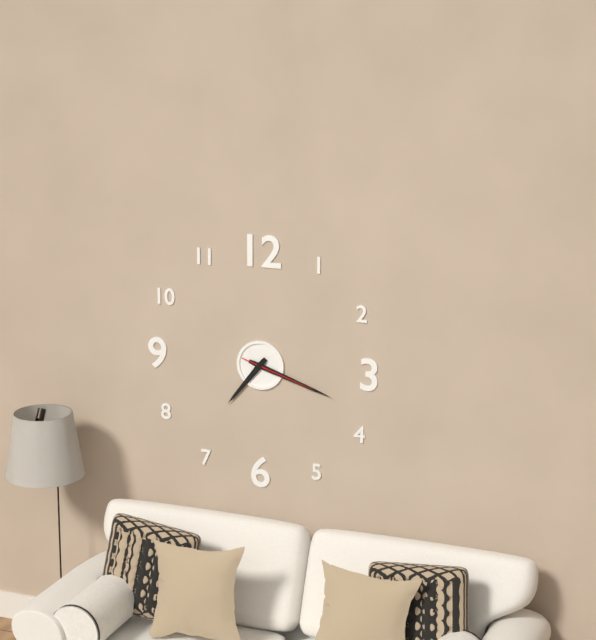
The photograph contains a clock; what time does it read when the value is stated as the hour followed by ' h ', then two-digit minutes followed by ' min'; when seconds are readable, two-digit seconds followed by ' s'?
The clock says 7 h 18 min 18 s
